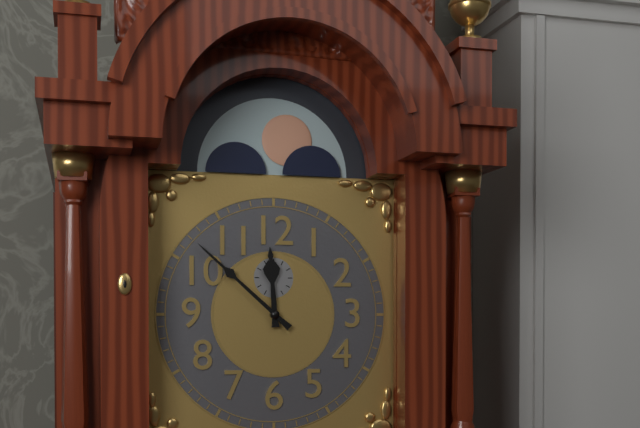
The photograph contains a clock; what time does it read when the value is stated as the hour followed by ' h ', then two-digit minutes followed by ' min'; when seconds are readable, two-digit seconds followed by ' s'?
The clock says 11 h 52 min
